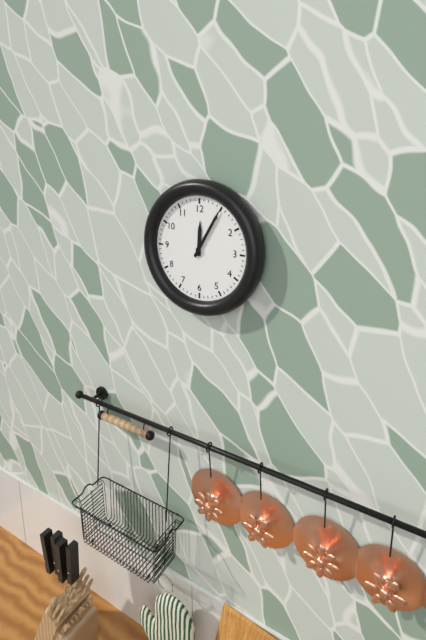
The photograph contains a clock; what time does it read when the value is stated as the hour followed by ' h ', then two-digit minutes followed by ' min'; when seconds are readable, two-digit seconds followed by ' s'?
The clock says 12 h 05 min
